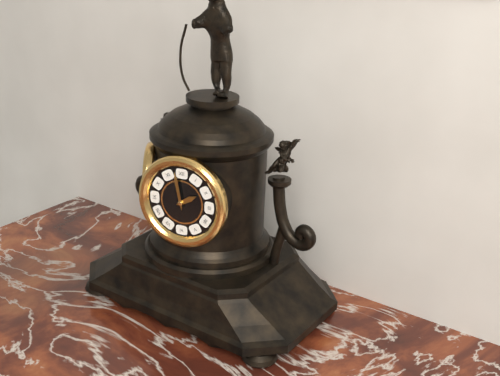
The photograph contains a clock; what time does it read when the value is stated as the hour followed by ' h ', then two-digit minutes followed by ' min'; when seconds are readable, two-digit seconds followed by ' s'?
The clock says 1 h 58 min
